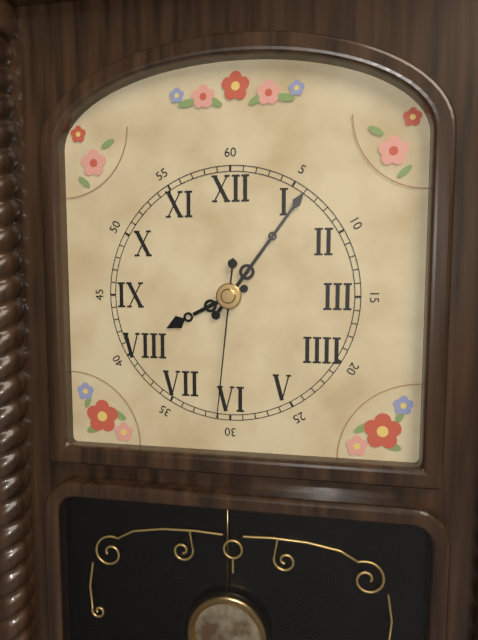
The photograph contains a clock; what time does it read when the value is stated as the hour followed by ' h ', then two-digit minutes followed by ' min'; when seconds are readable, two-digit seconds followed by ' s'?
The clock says 8 h 06 min 31 s
